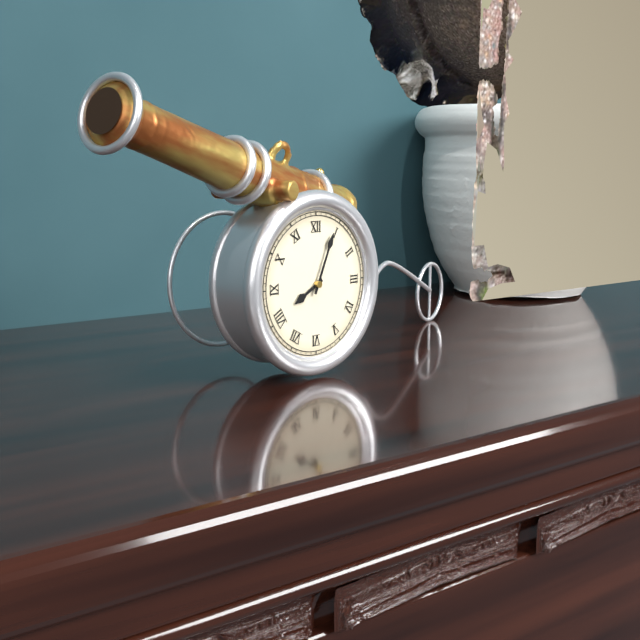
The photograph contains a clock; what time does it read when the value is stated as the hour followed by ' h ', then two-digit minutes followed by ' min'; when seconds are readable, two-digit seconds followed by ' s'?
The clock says 8 h 04 min
